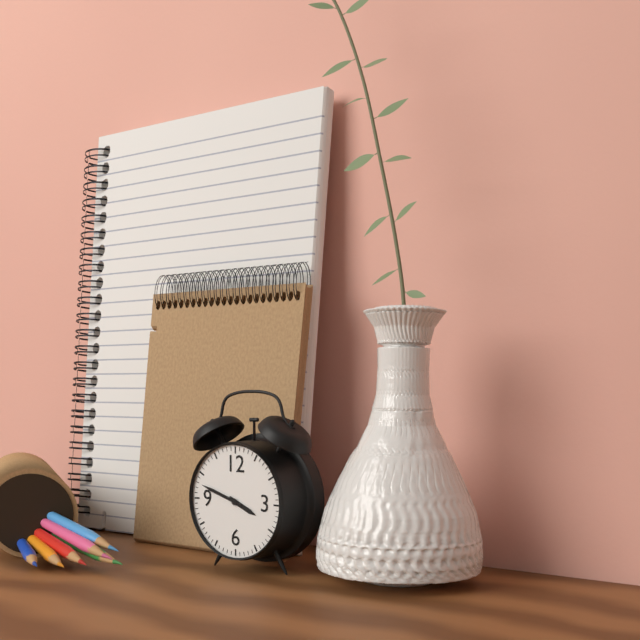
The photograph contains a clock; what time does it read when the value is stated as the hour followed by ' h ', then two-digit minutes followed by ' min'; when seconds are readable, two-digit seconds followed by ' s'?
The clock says 3 h 48 min
